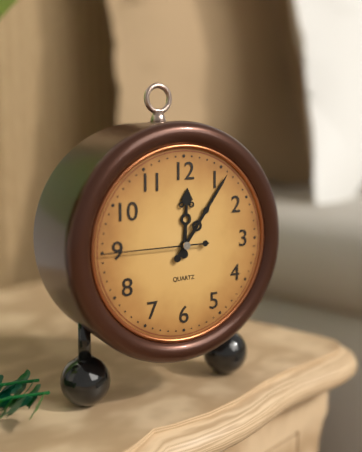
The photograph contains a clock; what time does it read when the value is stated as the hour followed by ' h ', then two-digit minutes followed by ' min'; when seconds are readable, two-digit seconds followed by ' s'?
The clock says 12 h 06 min 45 s
